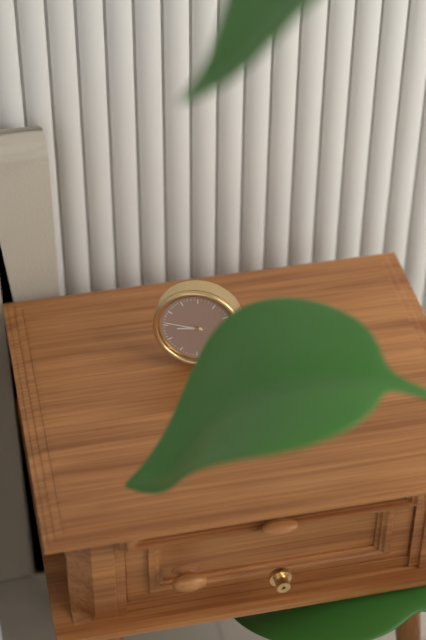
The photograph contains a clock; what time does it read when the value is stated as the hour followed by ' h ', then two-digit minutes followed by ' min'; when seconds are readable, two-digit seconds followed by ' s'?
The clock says 8 h 46 min
